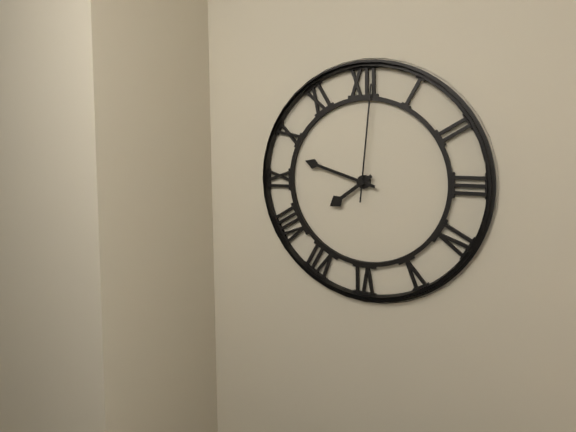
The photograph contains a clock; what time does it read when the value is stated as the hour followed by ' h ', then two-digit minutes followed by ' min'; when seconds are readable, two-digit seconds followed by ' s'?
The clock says 7 h 48 min 01 s
